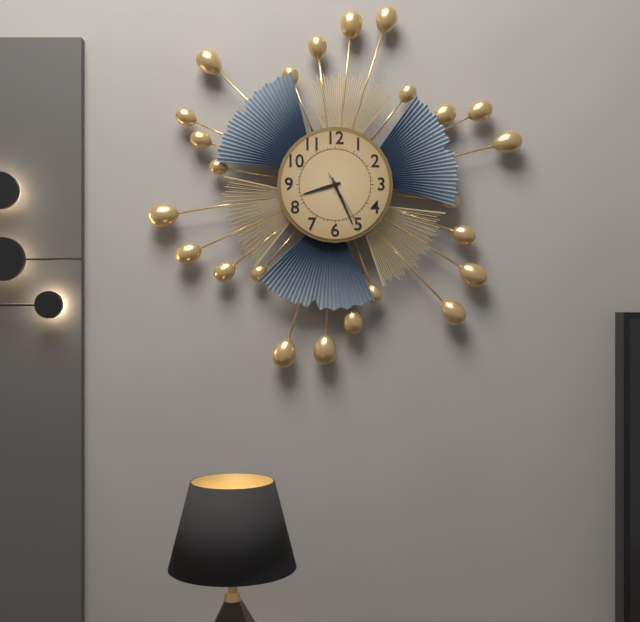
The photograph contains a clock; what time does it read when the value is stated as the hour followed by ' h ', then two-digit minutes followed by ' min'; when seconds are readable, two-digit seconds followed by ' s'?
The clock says 8 h 26 min 25 s
